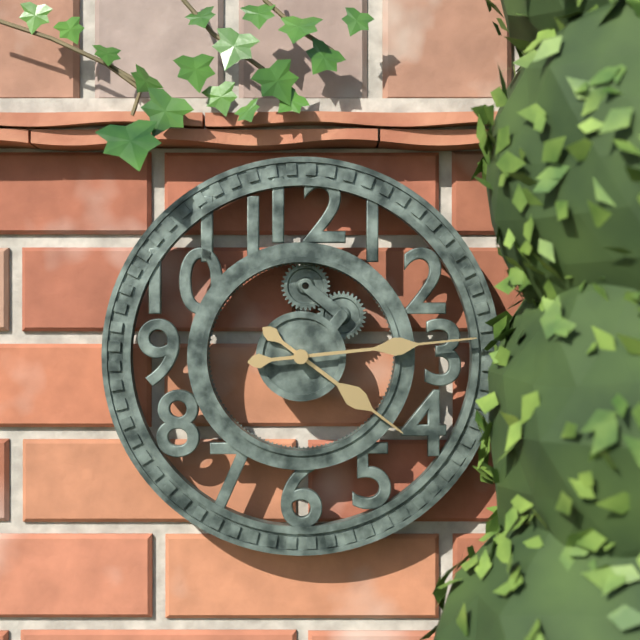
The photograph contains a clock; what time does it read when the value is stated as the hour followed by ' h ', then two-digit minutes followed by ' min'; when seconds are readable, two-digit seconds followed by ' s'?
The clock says 4 h 14 min
